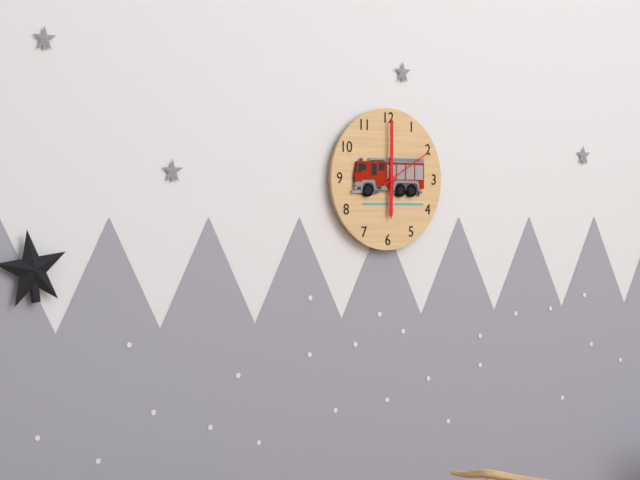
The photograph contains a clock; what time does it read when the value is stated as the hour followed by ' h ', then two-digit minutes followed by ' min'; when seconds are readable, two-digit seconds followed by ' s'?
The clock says 6 h 00 min 10 s
